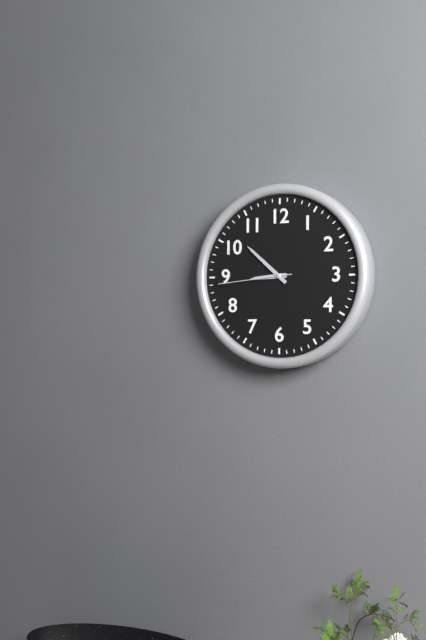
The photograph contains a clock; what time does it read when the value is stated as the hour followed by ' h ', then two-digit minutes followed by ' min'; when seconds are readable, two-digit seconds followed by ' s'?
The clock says 8 h 52 min 44 s
